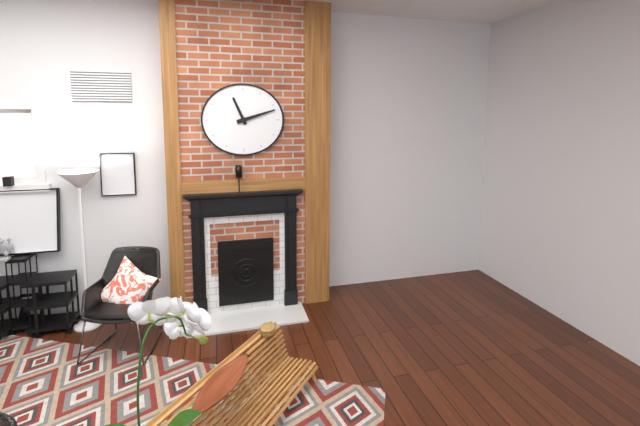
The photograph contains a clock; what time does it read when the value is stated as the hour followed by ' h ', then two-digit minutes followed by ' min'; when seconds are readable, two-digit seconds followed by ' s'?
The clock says 11 h 12 min
